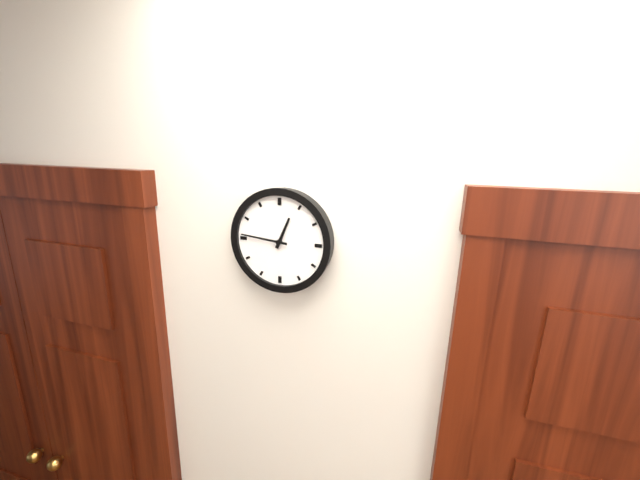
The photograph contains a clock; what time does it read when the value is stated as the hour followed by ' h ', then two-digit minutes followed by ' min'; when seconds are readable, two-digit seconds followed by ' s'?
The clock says 12 h 46 min
